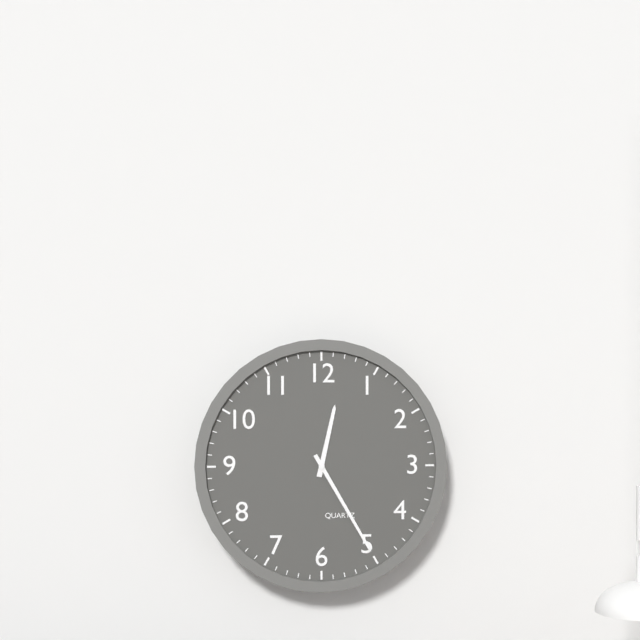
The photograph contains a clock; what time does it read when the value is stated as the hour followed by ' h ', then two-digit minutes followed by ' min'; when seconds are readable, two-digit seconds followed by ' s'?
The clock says 12 h 25 min
